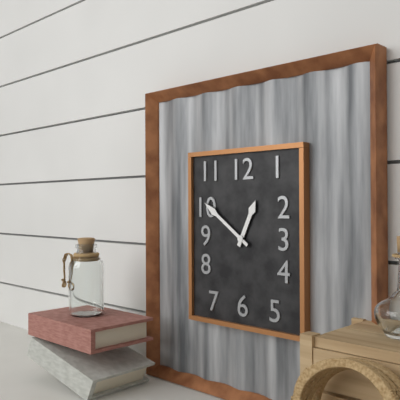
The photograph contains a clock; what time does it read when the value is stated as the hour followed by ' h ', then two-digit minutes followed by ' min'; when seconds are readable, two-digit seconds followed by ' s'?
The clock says 12 h 51 min
